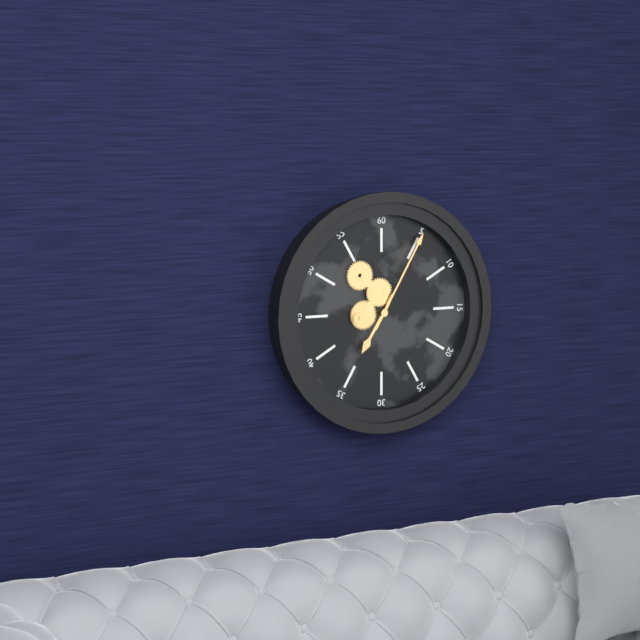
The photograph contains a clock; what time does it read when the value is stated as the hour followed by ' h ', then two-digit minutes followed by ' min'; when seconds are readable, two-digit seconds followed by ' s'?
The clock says 7 h 05 min
